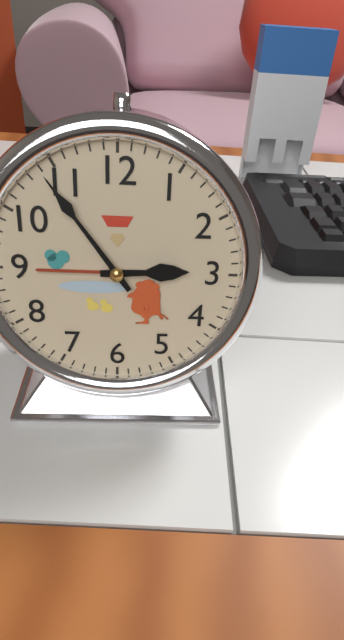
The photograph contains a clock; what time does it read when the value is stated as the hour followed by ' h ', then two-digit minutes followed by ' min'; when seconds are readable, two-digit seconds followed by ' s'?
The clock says 2 h 54 min
